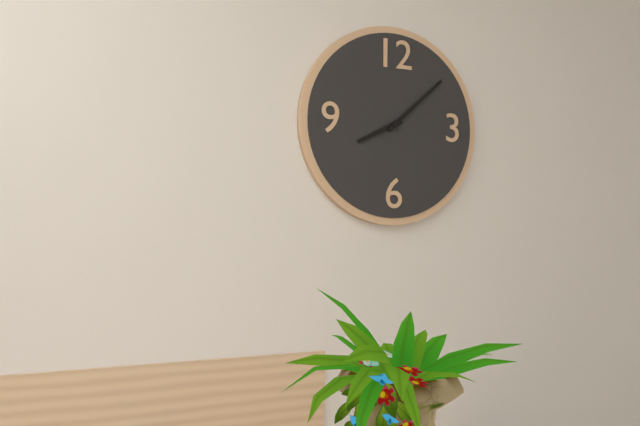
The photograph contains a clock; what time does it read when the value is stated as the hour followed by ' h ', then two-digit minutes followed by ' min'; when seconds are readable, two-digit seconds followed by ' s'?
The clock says 8 h 08 min
